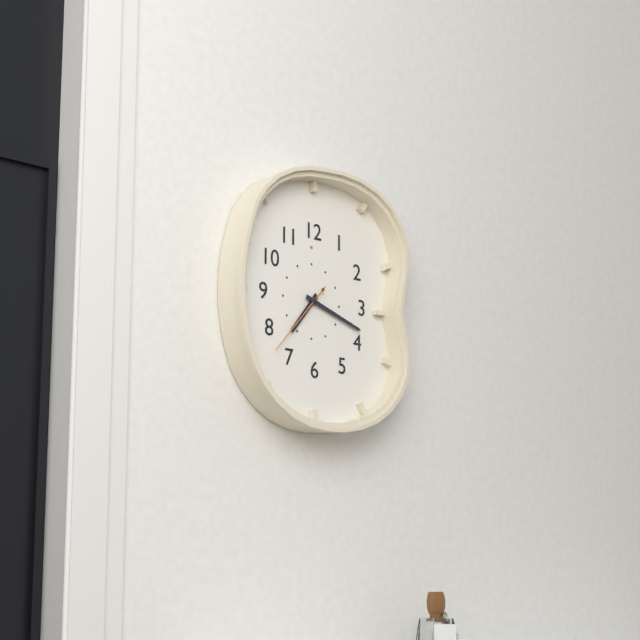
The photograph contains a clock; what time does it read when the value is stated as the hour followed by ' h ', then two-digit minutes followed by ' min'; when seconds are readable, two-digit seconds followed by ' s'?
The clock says 7 h 18 min 37 s
